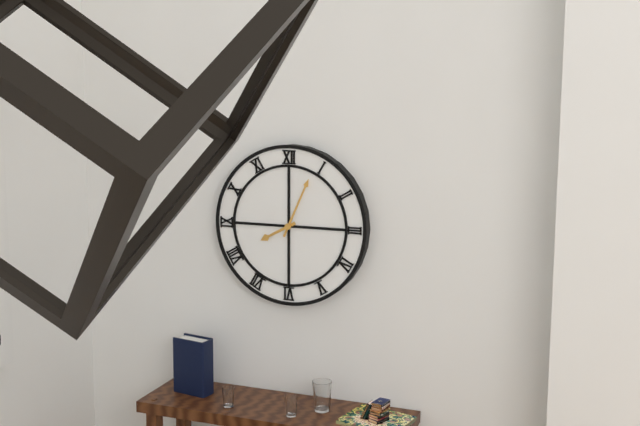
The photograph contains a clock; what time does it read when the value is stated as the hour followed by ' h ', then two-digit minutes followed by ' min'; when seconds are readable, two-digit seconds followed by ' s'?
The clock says 8 h 04 min
